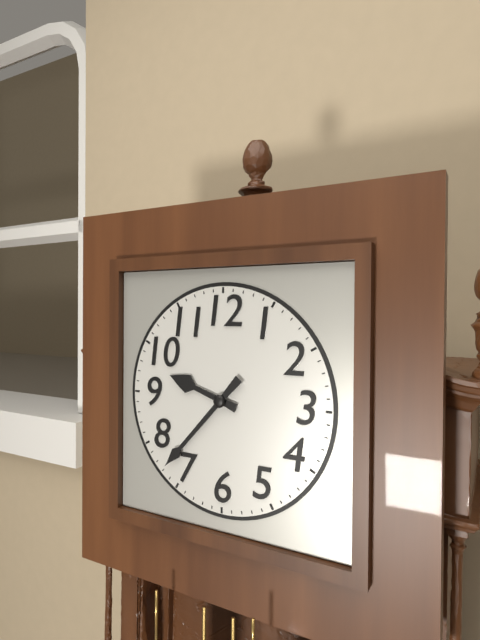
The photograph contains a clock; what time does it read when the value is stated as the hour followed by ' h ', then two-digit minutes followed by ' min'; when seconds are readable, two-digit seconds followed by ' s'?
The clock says 9 h 37 min
